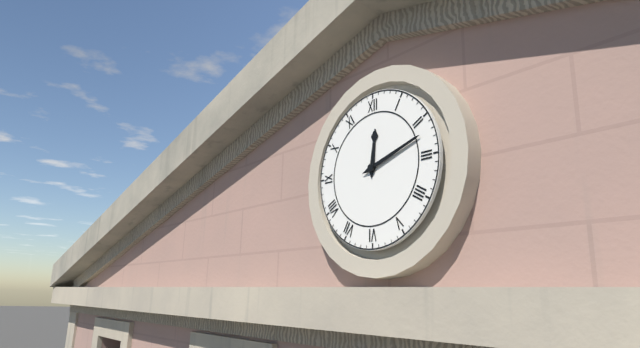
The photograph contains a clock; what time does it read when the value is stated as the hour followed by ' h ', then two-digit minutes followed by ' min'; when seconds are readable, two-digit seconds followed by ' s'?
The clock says 12 h 12 min
